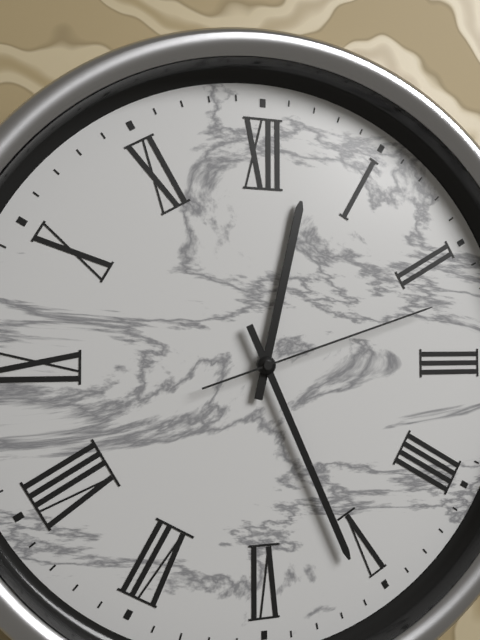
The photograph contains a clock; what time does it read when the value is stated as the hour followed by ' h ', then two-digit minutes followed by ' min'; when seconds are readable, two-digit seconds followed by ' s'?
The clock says 12 h 26 min 12 s
